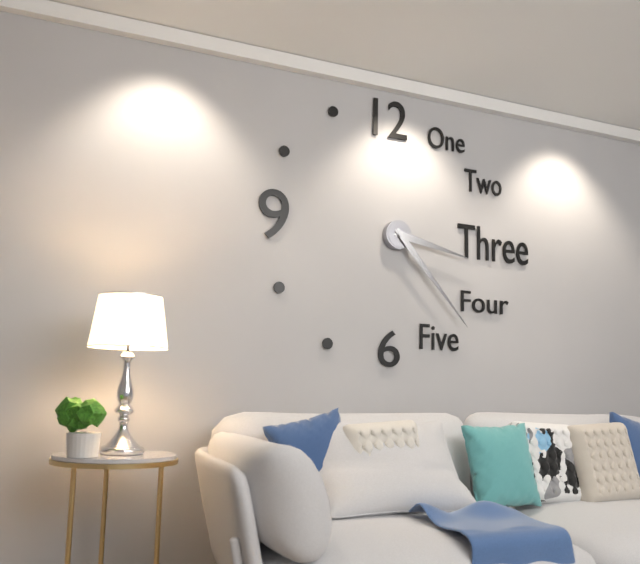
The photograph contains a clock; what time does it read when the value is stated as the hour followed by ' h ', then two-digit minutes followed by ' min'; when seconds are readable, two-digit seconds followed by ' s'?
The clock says 3 h 23 min
